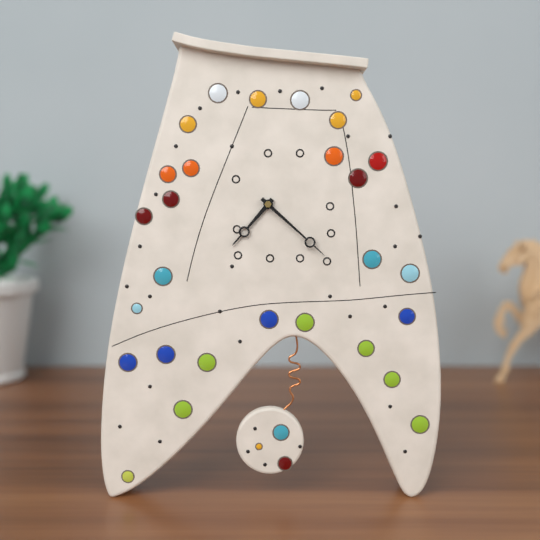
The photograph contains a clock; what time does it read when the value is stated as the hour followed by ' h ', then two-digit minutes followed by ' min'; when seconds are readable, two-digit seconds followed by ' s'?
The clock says 7 h 22 min
